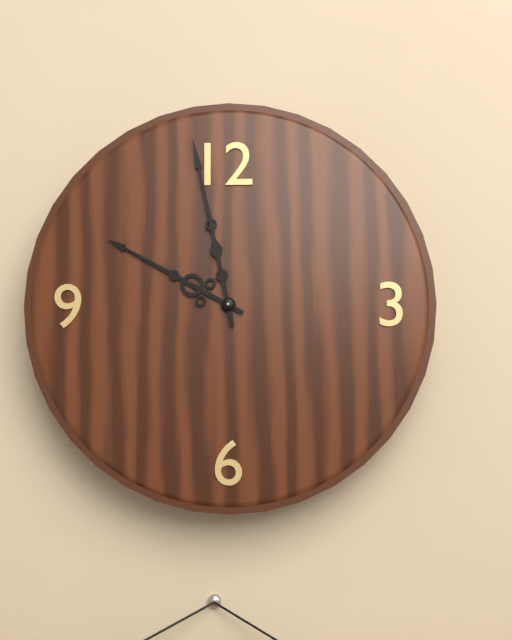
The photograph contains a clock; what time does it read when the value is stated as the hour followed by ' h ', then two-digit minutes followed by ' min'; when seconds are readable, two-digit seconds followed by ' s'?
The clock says 9 h 58 min
